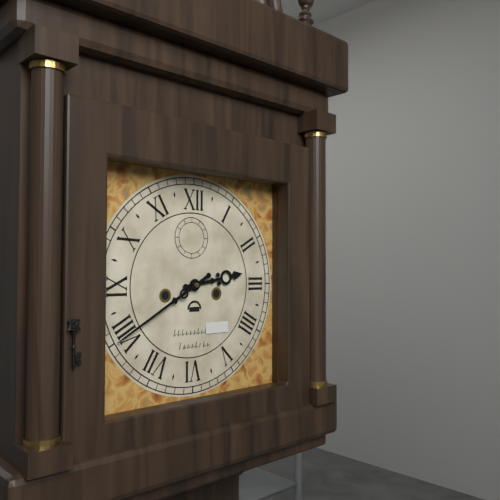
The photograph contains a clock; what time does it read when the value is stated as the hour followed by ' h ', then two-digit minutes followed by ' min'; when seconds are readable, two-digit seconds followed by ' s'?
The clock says 2 h 40 min
